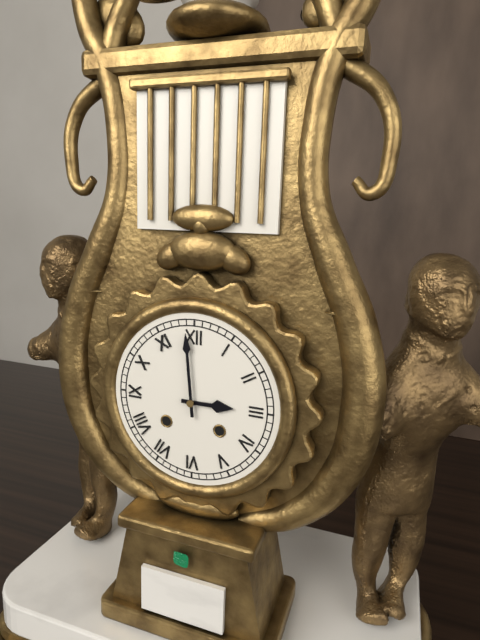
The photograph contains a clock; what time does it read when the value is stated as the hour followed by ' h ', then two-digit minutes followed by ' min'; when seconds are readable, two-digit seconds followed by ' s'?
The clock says 2 h 59 min
